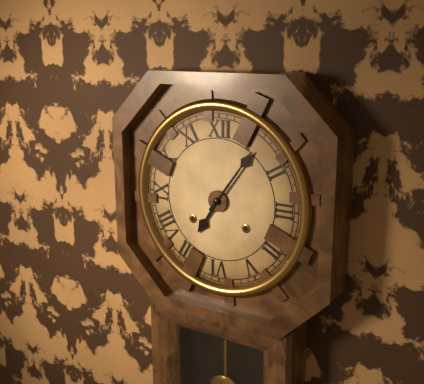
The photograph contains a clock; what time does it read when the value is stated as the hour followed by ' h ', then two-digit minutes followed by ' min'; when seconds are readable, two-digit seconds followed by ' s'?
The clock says 7 h 06 min
